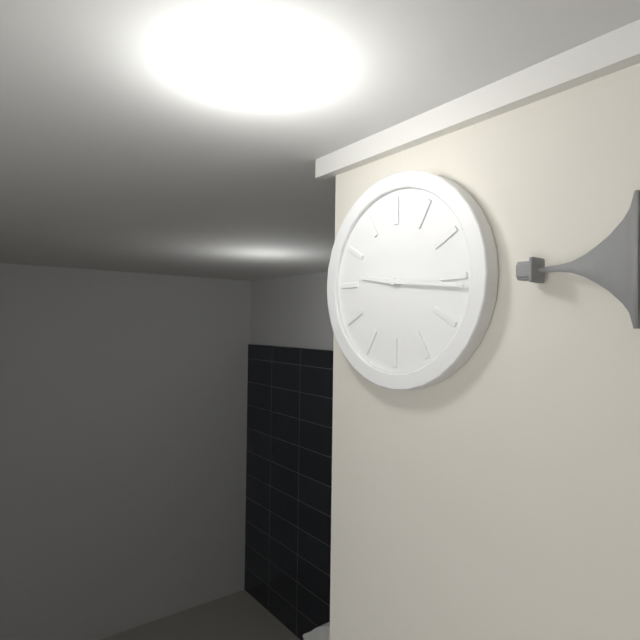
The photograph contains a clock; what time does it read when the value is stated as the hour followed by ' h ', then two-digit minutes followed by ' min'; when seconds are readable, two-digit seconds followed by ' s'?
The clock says 9 h 16 min
